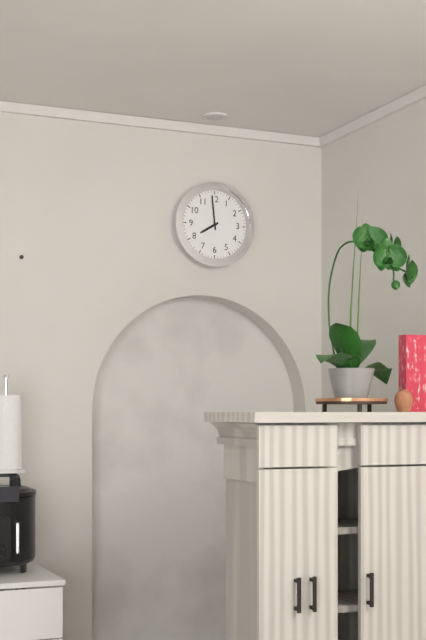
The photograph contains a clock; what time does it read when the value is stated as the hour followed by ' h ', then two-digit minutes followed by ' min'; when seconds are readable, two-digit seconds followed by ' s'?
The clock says 7 h 59 min
